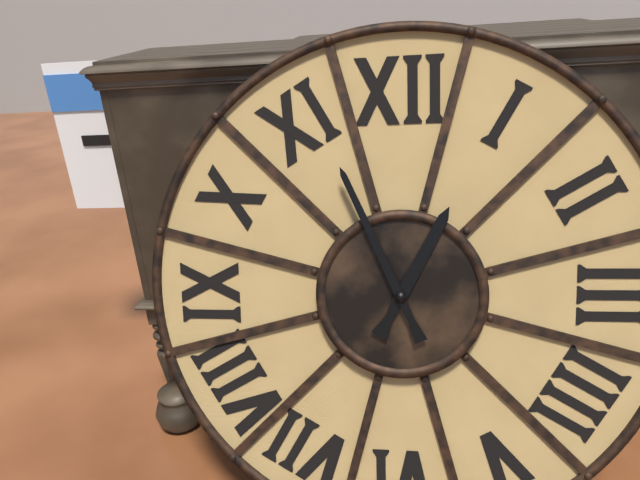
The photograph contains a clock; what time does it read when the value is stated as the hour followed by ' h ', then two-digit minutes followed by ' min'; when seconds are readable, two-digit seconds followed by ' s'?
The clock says 12 h 56 min
